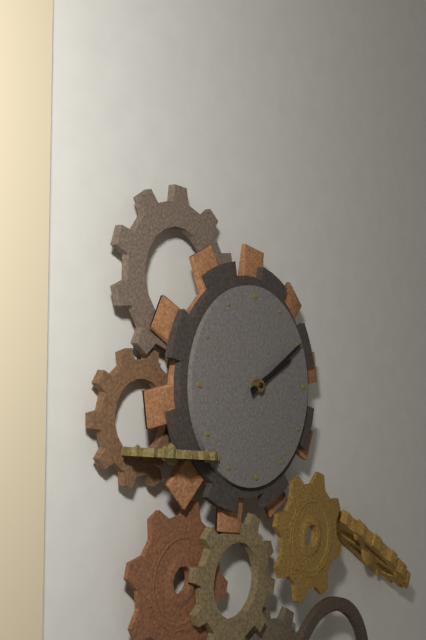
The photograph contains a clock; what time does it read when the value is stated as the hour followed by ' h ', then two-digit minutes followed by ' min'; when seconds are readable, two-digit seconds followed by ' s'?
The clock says 2 h 10 min
